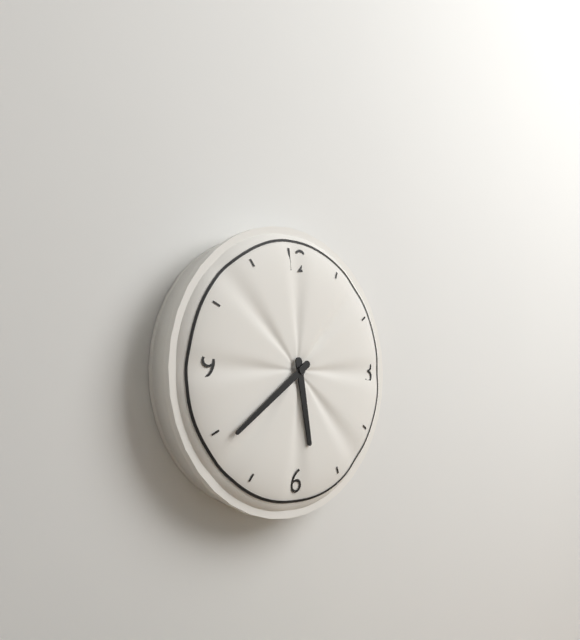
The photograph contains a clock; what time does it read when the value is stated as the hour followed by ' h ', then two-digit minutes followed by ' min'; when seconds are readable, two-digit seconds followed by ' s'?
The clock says 5 h 39 min
